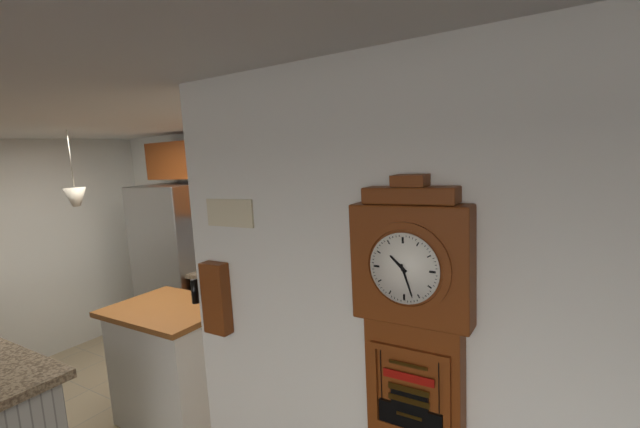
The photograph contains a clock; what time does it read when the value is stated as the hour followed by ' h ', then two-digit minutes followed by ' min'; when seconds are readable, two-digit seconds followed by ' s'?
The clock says 10 h 27 min
